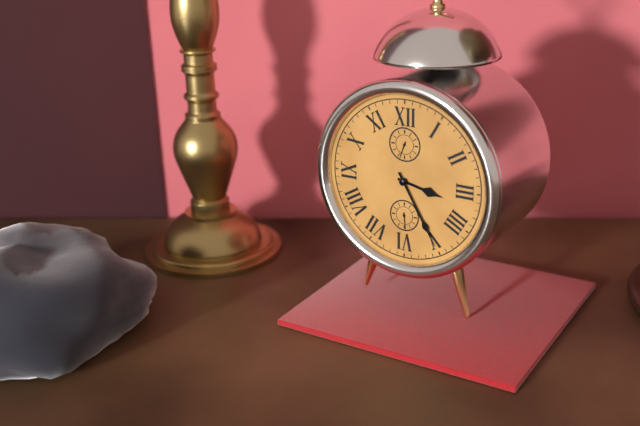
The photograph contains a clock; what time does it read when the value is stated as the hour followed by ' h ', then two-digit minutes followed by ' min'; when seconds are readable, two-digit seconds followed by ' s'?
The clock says 3 h 25 min
